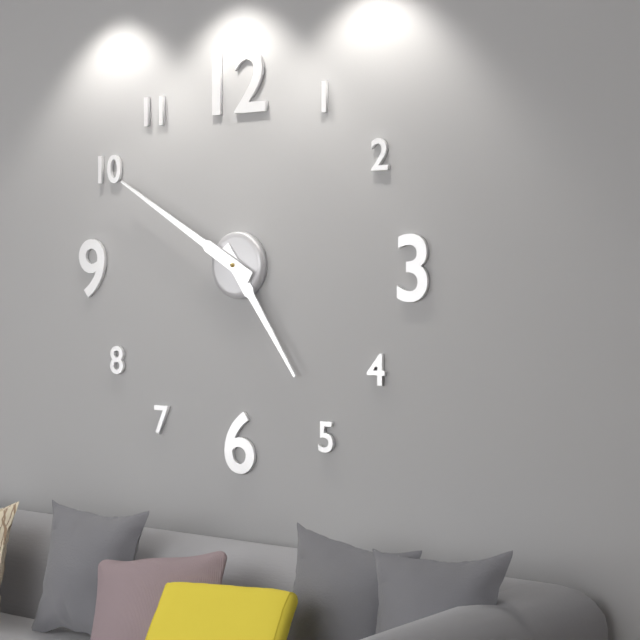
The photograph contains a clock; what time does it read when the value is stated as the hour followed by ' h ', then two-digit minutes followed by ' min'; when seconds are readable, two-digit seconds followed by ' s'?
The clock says 4 h 50 min
